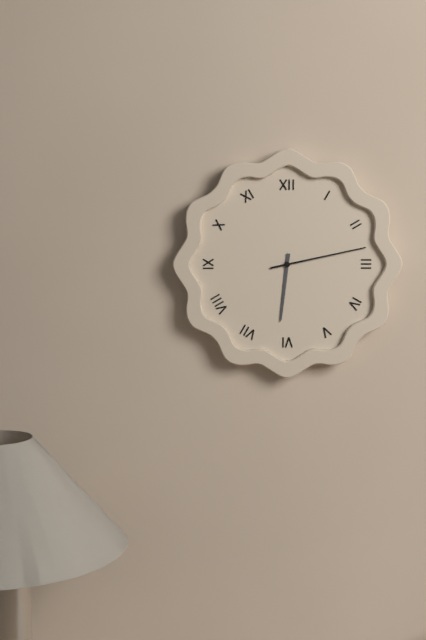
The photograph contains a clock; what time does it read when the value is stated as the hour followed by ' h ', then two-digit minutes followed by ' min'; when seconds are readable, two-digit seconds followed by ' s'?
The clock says 6 h 13 min
